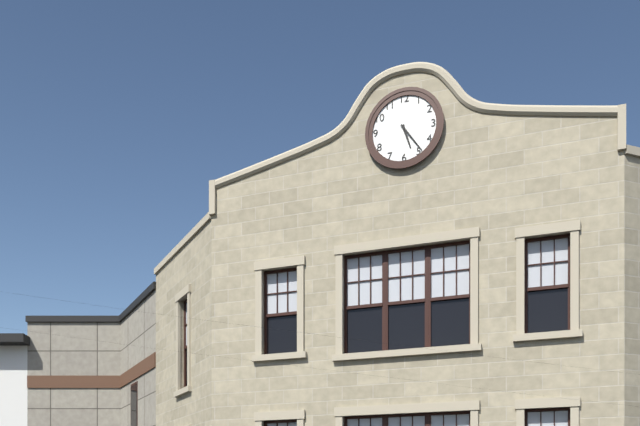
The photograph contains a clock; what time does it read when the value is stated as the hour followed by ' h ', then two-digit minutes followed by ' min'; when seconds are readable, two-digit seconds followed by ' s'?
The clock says 5 h 24 min
